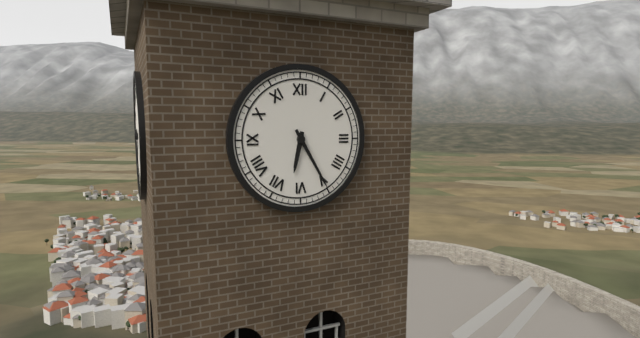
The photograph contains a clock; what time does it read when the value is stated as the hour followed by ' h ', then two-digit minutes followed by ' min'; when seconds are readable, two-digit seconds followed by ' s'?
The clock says 6 h 25 min
